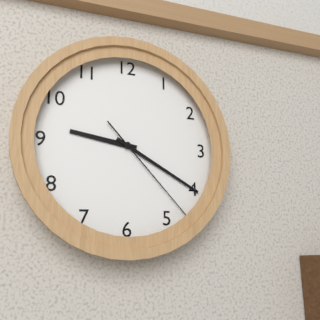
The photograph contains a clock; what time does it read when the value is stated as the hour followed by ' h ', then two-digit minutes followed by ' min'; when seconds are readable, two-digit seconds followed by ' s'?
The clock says 9 h 20 min 23 s
